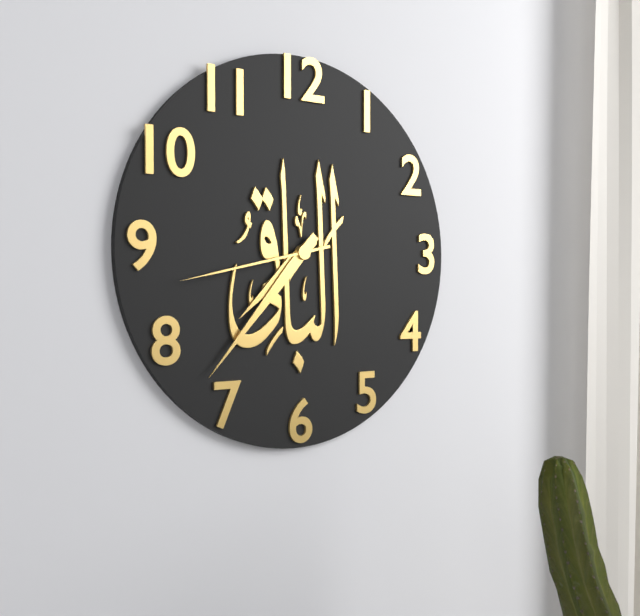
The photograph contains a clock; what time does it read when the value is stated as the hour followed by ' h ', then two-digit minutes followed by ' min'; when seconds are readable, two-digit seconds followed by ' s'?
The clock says 7 h 37 min 43 s
